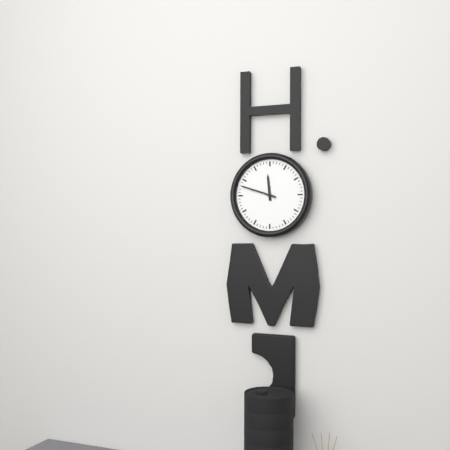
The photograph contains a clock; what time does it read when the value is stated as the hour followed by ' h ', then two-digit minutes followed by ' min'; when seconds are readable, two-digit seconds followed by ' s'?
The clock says 11 h 48 min
